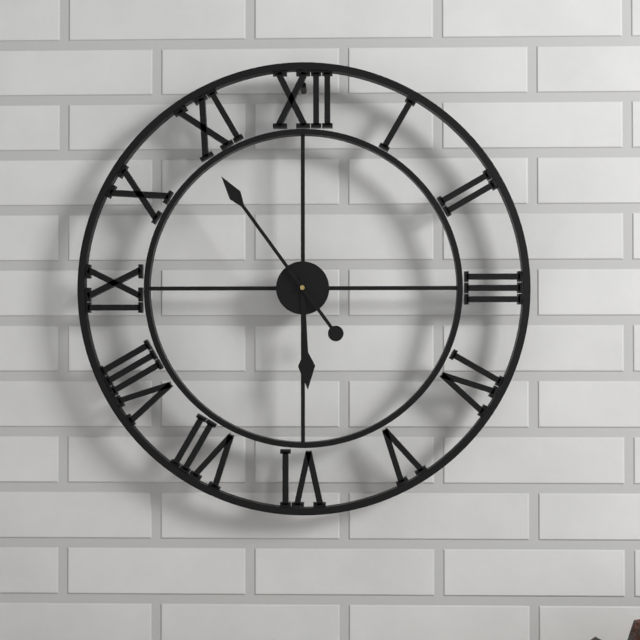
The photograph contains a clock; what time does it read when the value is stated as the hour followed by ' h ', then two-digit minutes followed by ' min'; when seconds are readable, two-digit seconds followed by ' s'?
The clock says 5 h 54 min
